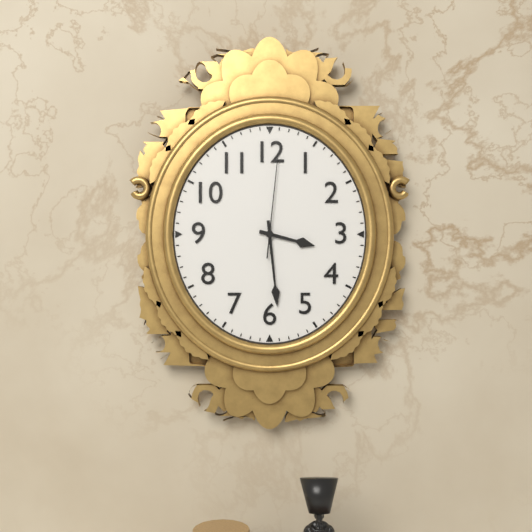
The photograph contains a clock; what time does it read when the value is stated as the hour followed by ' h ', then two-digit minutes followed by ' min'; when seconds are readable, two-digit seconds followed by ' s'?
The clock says 3 h 29 min 01 s
